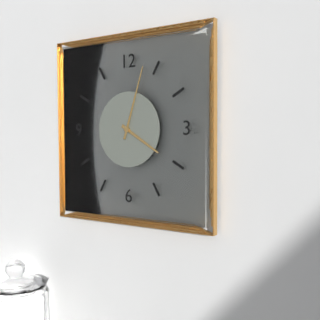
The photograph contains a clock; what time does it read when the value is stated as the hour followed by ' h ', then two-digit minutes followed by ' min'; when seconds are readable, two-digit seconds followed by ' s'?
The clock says 4 h 03 min
